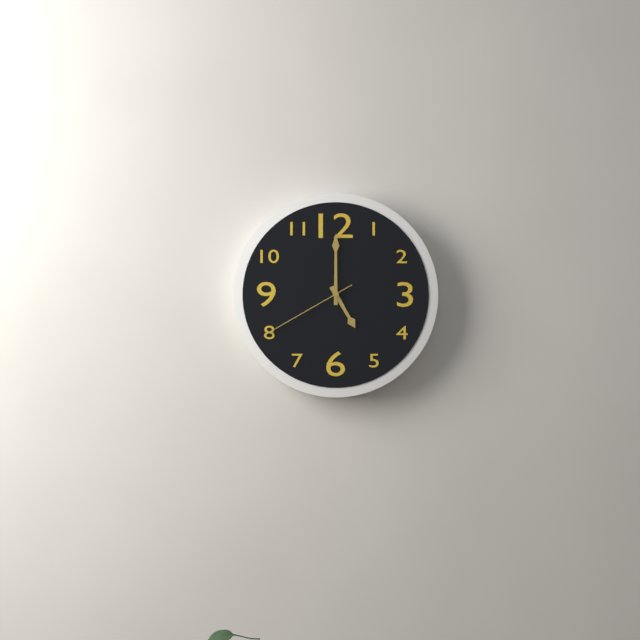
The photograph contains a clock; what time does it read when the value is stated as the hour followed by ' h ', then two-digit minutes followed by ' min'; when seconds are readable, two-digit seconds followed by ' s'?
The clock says 5 h 00 min 40 s
